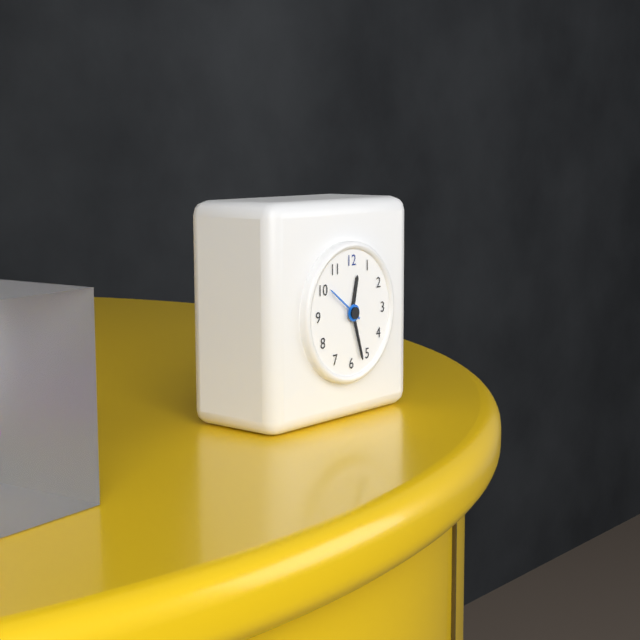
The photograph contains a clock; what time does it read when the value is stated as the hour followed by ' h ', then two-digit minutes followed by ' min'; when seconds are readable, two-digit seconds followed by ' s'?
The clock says 12 h 27 min
